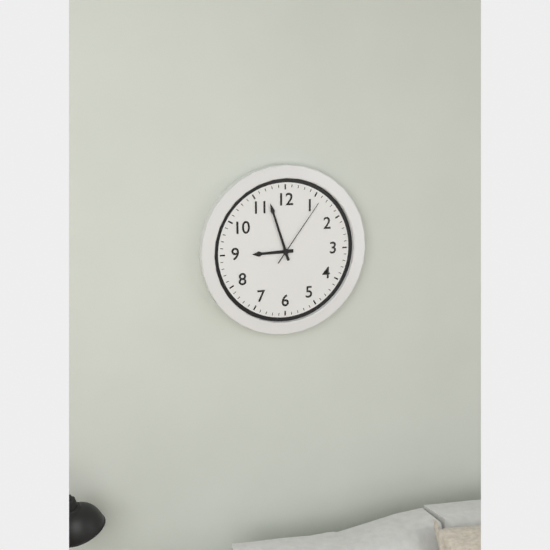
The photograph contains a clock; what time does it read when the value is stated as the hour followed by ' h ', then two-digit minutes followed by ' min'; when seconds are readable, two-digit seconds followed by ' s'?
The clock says 8 h 57 min 06 s
